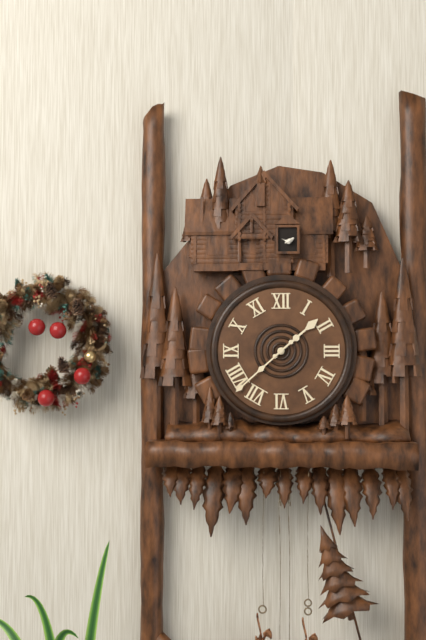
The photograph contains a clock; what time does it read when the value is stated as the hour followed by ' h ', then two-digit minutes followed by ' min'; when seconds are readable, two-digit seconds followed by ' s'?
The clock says 1 h 38 min
